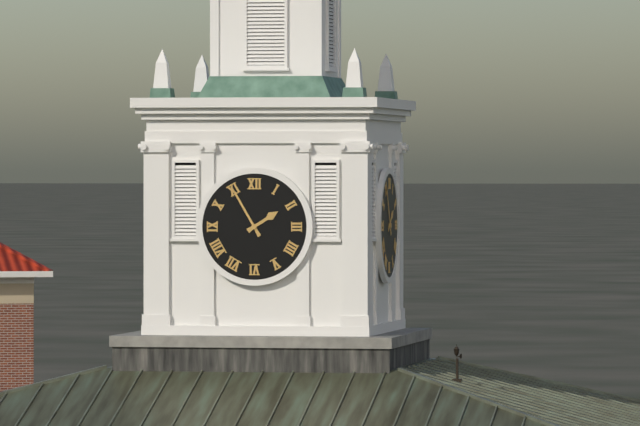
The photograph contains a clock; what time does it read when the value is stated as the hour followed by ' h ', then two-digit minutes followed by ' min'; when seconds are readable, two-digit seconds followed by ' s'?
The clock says 1 h 55 min
